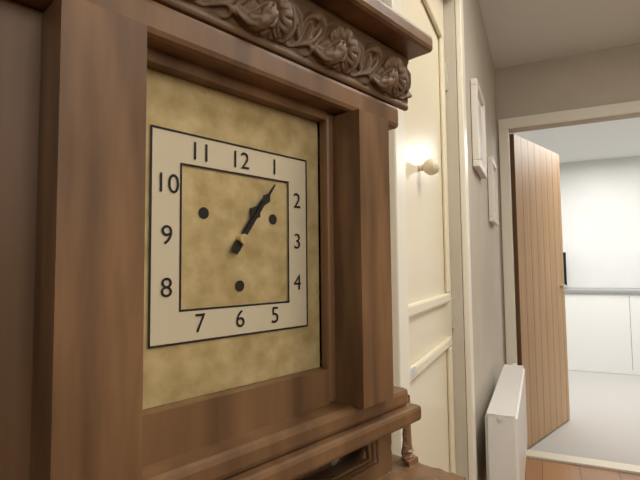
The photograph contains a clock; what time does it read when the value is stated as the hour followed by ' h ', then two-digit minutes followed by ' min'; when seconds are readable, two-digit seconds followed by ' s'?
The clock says 1 h 06 min
